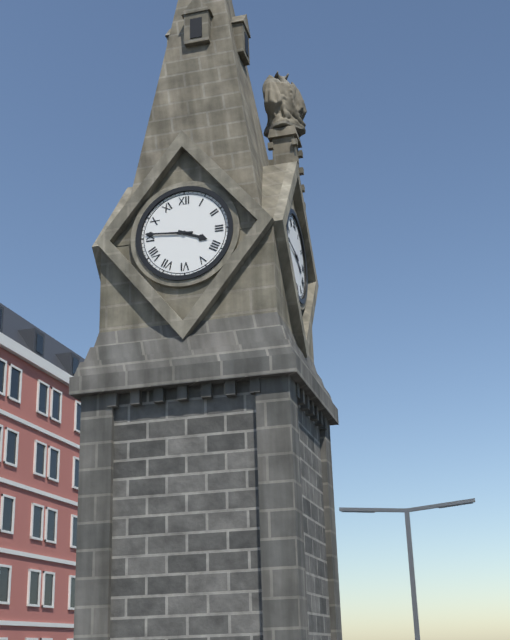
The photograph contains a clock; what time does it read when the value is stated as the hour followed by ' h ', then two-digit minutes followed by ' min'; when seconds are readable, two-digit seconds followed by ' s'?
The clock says 3 h 46 min
